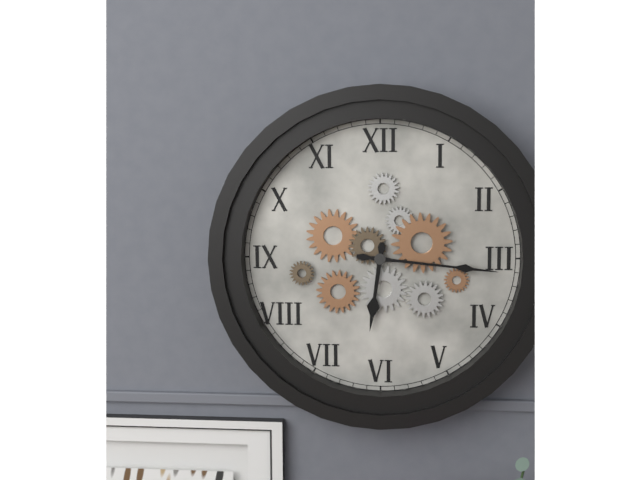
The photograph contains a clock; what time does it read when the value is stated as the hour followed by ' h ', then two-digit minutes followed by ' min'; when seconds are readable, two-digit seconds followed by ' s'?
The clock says 6 h 16 min
